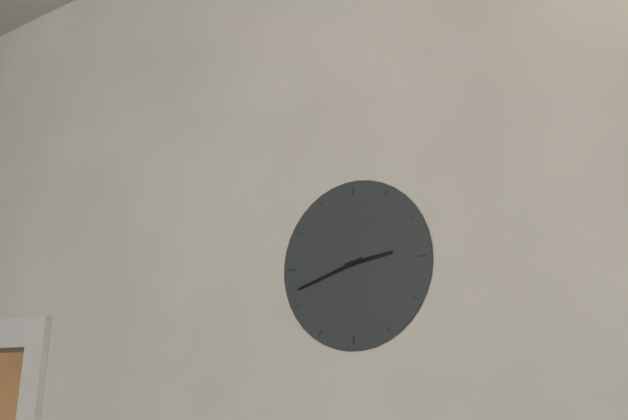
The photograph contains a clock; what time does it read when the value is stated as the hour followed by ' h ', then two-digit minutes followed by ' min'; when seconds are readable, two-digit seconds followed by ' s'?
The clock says 2 h 42 min
